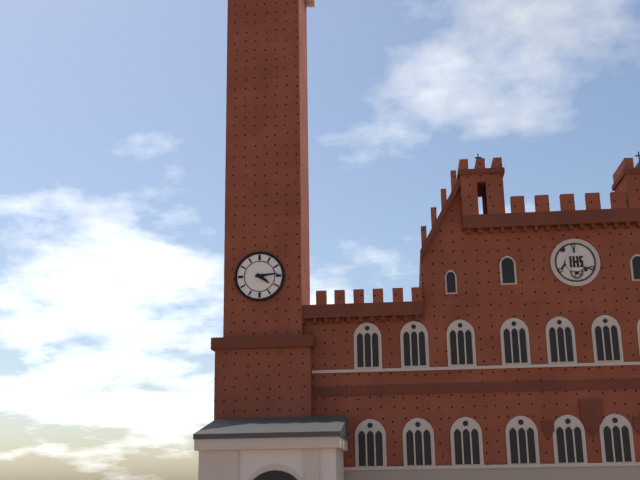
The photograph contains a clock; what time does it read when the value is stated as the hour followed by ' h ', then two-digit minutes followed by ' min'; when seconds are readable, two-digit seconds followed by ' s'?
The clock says 4 h 14 min
